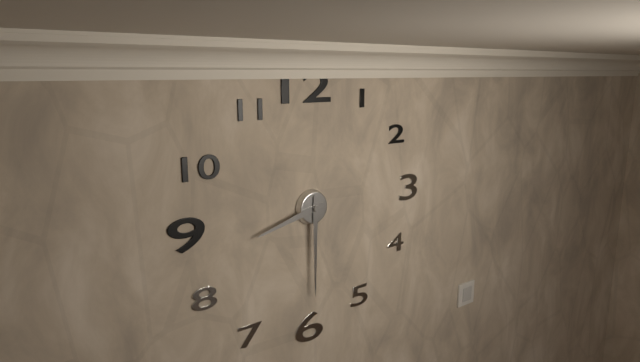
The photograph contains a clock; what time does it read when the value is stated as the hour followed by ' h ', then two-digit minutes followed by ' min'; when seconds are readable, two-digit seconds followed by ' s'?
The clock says 8 h 30 min
